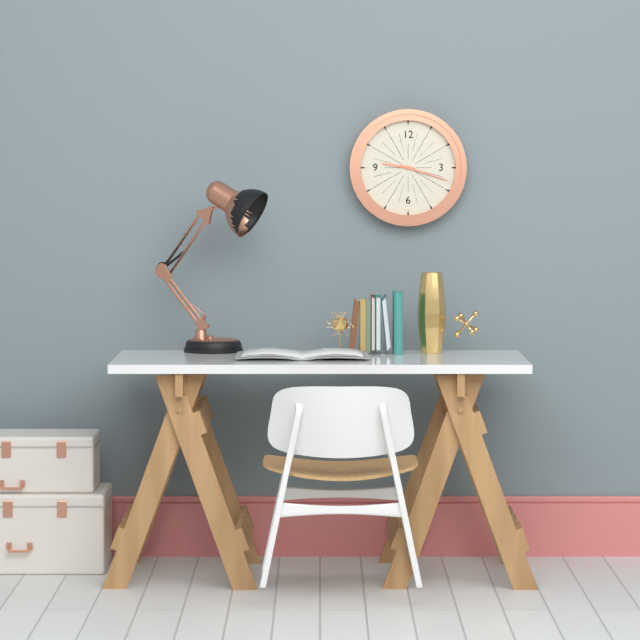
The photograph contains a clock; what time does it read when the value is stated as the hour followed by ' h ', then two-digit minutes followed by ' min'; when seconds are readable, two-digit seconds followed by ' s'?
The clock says 9 h 18 min
